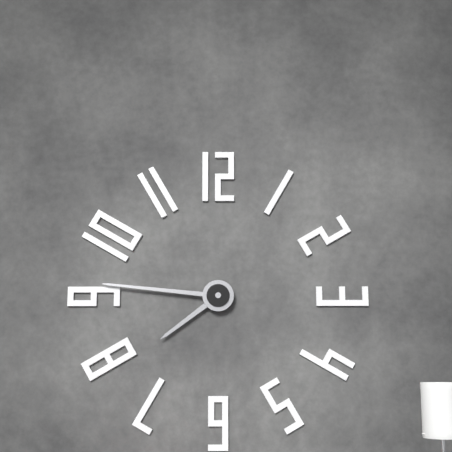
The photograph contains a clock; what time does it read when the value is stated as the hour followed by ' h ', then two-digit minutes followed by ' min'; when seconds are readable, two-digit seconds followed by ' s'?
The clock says 7 h 46 min
